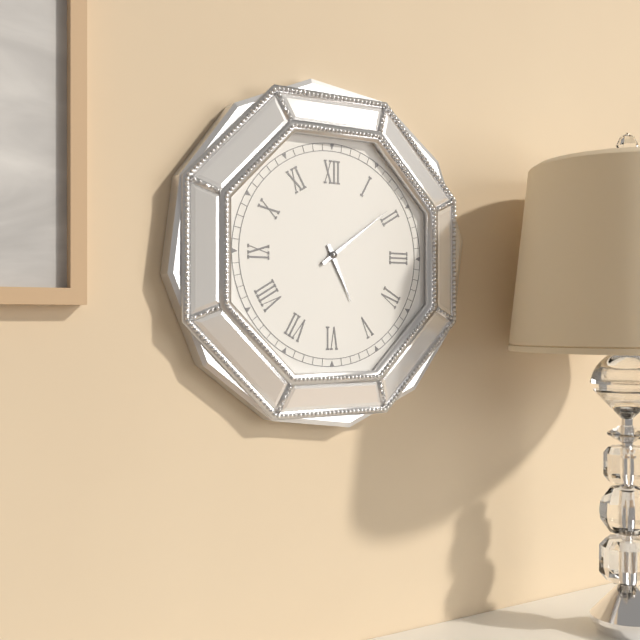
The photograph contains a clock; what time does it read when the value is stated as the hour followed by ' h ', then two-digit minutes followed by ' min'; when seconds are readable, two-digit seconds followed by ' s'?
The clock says 5 h 09 min
